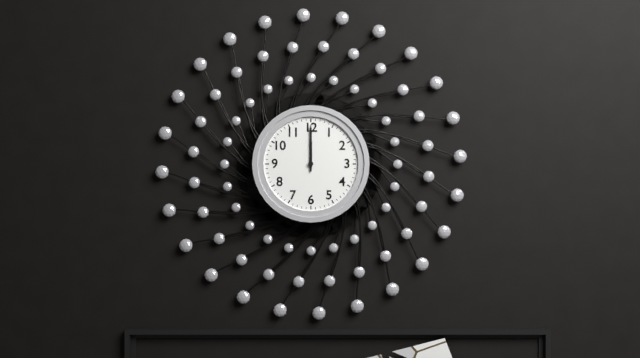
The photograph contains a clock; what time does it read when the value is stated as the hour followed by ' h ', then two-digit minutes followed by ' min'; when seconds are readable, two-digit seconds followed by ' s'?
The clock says 12 h 00 min
